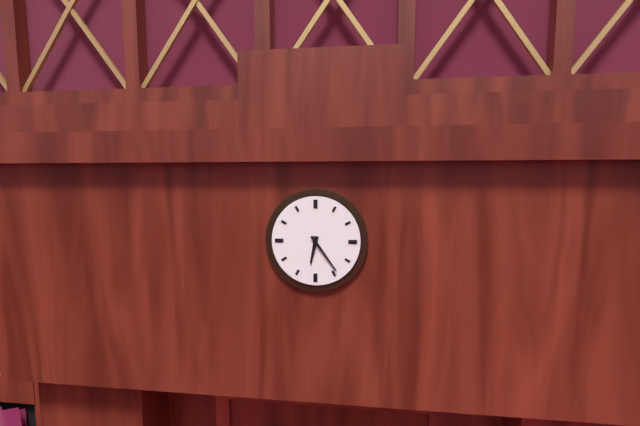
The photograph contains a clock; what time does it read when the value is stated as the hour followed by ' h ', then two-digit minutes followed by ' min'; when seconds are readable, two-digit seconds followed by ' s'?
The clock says 6 h 24 min
